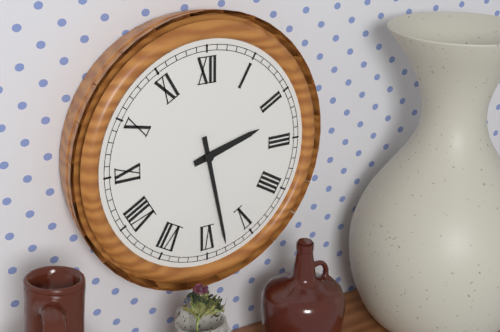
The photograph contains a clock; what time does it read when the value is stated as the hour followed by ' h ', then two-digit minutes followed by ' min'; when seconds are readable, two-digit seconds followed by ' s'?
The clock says 2 h 28 min
